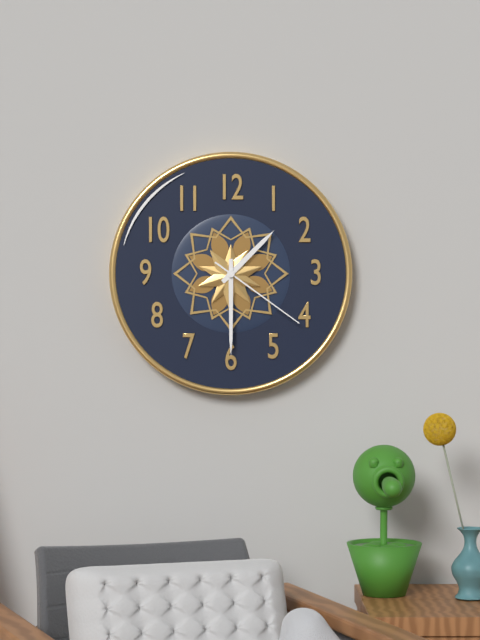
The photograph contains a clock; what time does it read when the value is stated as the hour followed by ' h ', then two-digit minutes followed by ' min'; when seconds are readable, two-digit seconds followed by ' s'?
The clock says 1 h 30 min 21 s
